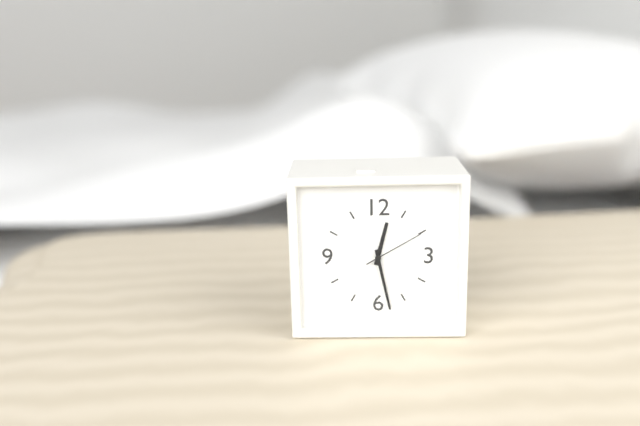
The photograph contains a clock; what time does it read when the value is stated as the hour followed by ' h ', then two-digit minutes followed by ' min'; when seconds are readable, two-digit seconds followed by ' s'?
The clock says 12 h 28 min 10 s
